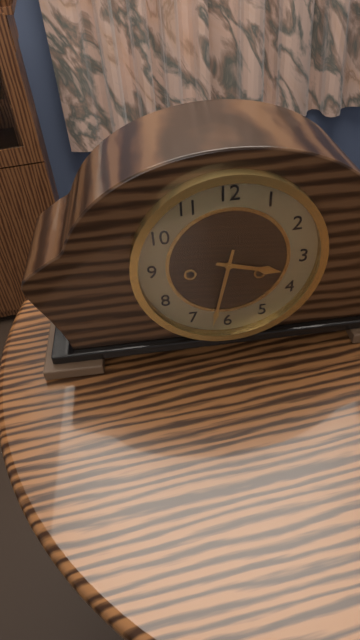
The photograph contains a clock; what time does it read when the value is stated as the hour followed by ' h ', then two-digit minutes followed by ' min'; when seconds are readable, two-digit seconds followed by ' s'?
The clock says 3 h 32 min
